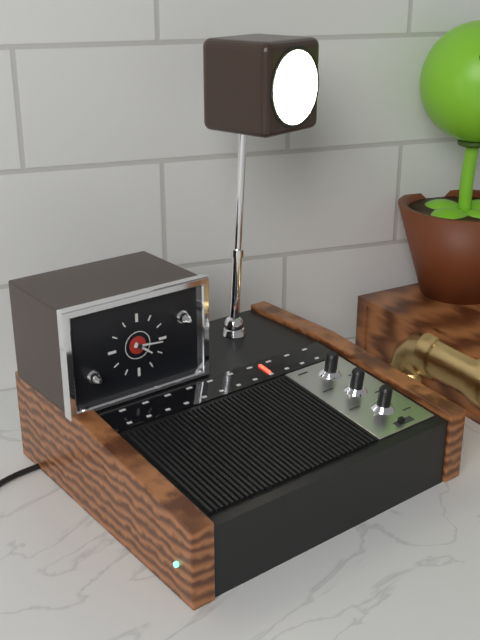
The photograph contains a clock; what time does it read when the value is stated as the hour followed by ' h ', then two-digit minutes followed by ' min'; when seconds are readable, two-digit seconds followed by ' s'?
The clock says 4 h 16 min
